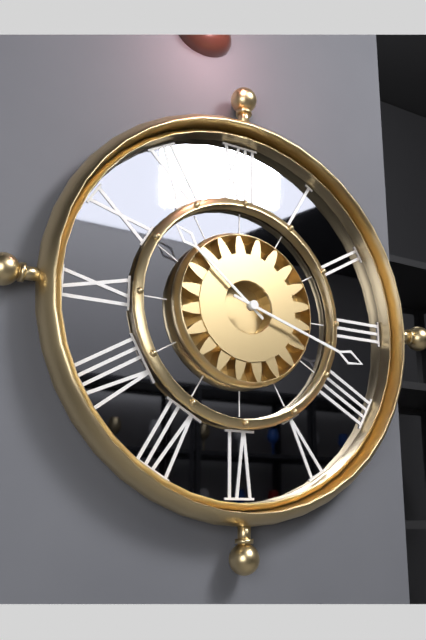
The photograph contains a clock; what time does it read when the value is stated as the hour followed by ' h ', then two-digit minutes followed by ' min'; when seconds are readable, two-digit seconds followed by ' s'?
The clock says 10 h 18 min
